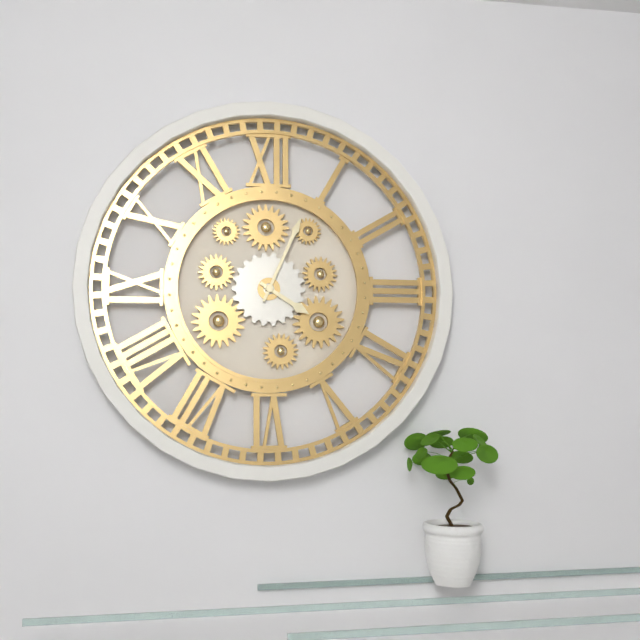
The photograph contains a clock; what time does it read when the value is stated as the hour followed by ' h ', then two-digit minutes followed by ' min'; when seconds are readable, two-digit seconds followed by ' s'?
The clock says 4 h 04 min
